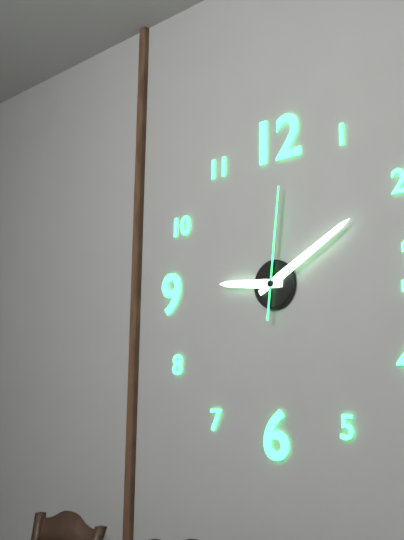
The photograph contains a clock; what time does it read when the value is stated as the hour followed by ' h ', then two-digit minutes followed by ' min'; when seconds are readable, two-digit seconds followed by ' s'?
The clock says 9 h 10 min 01 s
